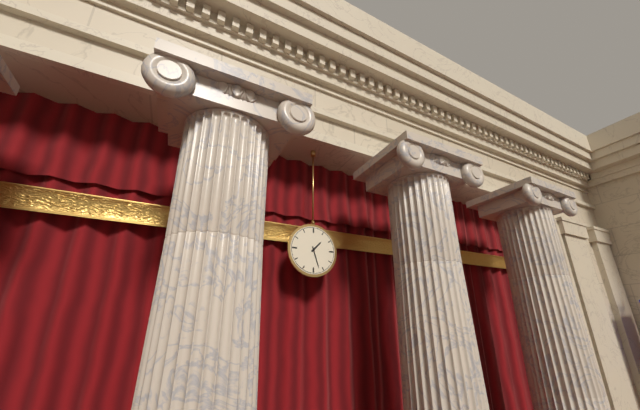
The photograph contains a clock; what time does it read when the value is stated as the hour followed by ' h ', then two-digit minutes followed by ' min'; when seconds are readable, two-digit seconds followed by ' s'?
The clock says 1 h 27 min
